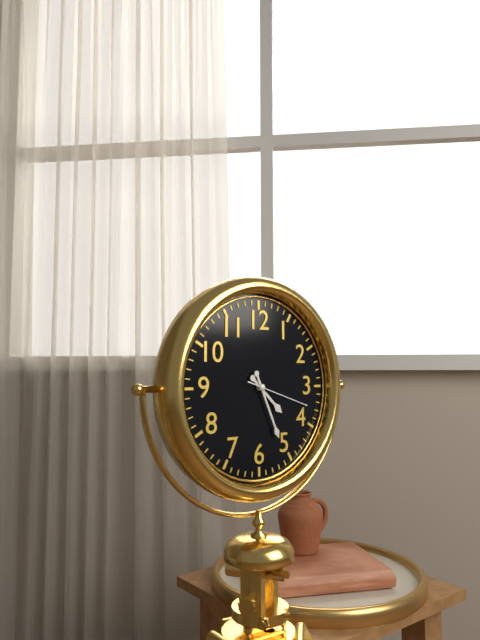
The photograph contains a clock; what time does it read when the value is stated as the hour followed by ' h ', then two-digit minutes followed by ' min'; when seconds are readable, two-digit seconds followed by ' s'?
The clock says 4 h 26 min 18 s
